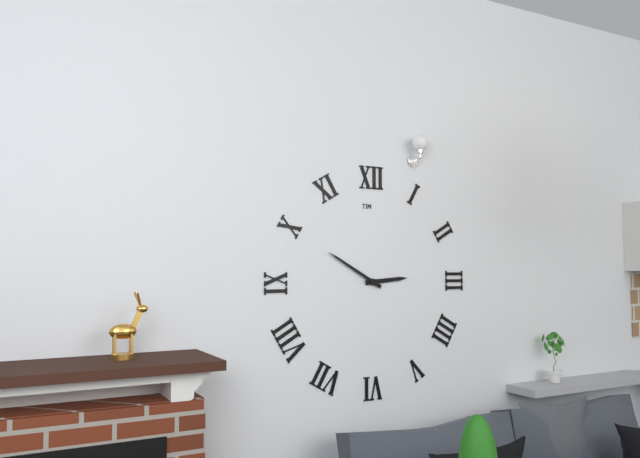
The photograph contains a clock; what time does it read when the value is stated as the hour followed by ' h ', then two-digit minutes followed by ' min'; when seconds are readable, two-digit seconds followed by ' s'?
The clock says 2 h 50 min
